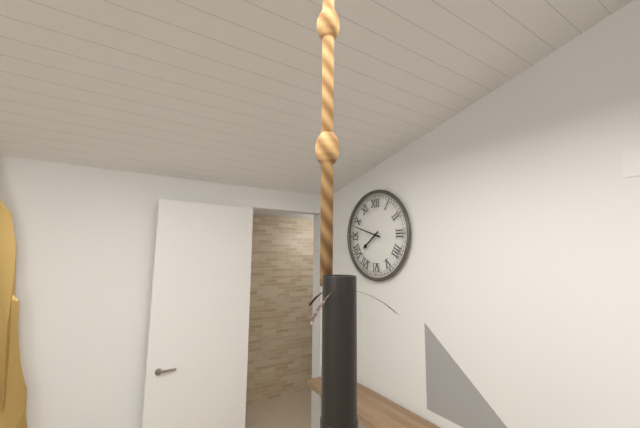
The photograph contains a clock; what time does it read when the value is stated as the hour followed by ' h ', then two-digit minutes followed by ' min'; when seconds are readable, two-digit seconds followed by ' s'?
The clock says 7 h 48 min
